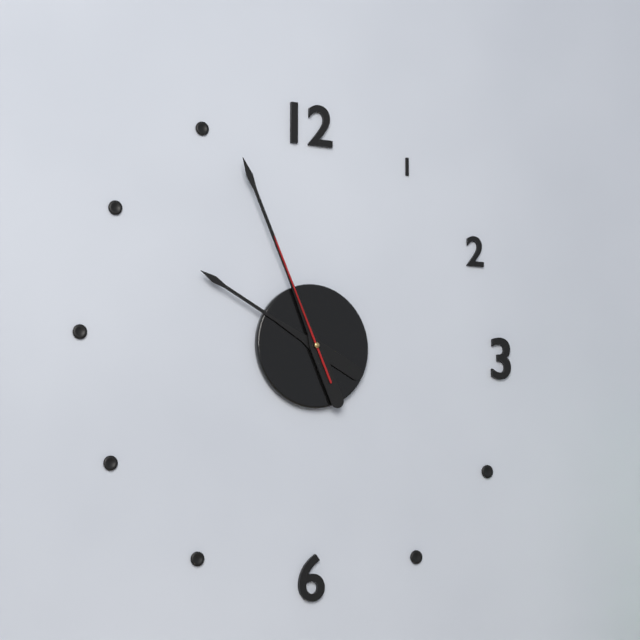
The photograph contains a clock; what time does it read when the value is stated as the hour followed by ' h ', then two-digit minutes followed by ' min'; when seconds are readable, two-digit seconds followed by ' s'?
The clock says 9 h 56 min 56 s
